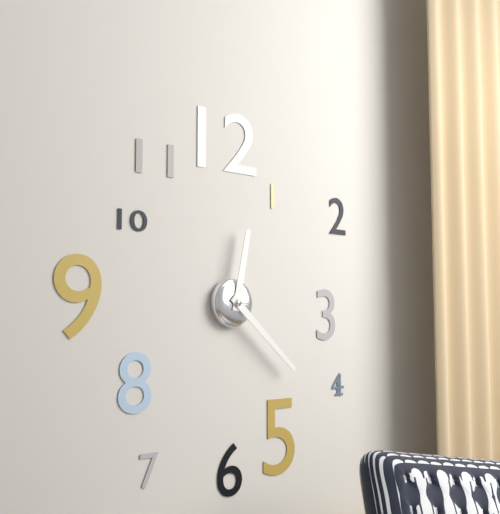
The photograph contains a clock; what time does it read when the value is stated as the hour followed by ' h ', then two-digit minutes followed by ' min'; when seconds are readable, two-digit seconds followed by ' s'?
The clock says 12 h 22 min
